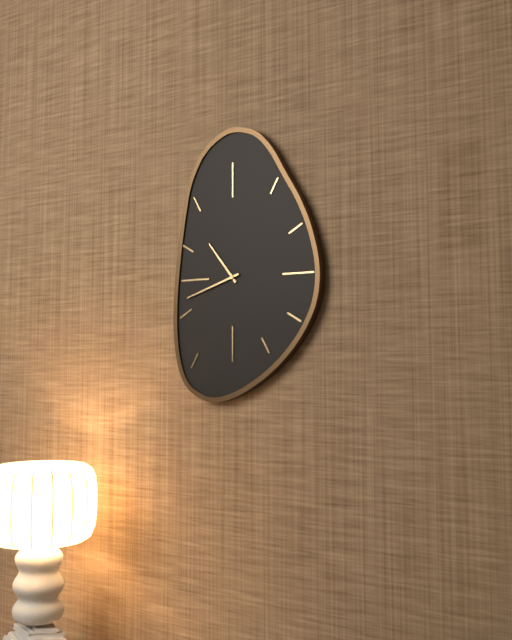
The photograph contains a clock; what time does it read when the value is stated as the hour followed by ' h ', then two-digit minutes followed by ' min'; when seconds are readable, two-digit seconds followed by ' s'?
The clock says 10 h 42 min
